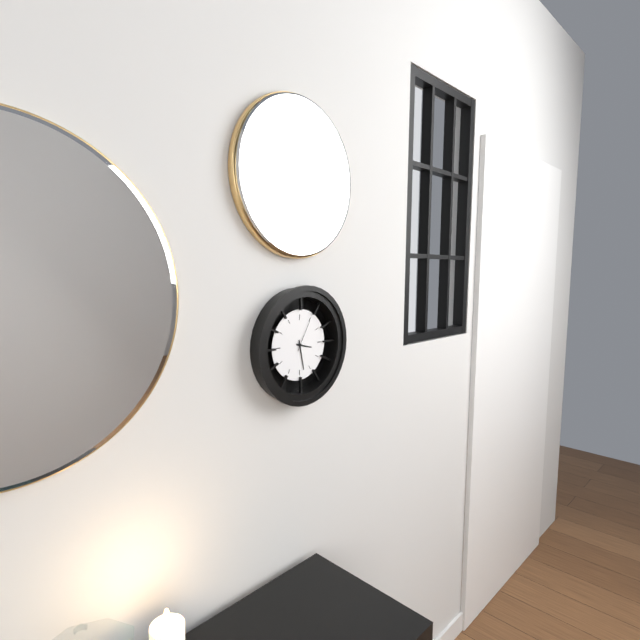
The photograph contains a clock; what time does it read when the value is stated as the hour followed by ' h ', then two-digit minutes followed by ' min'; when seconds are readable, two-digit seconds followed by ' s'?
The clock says 3 h 28 min
